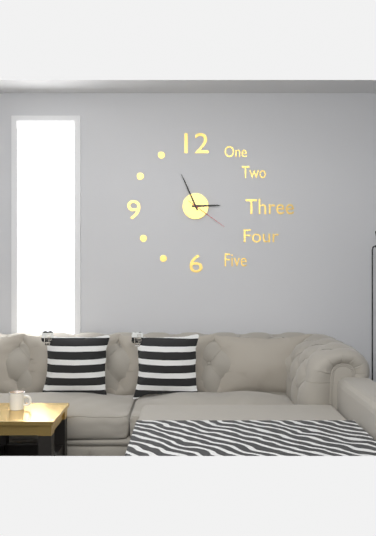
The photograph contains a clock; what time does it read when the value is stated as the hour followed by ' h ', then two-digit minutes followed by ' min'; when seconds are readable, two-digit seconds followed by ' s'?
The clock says 2 h 56 min
